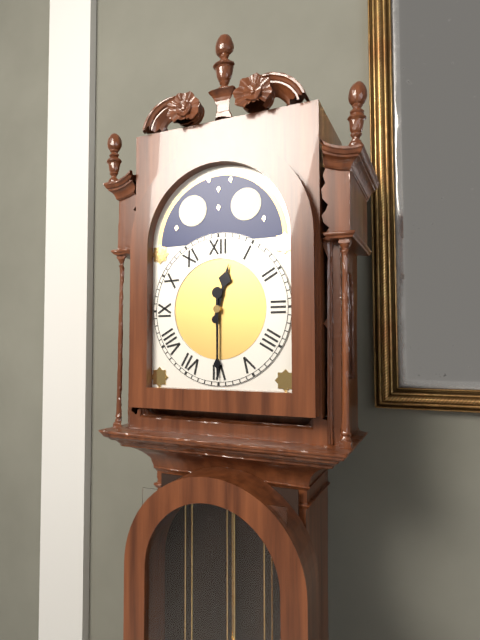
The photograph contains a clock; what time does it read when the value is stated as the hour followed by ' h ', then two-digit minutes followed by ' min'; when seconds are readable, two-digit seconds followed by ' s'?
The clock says 12 h 30 min
